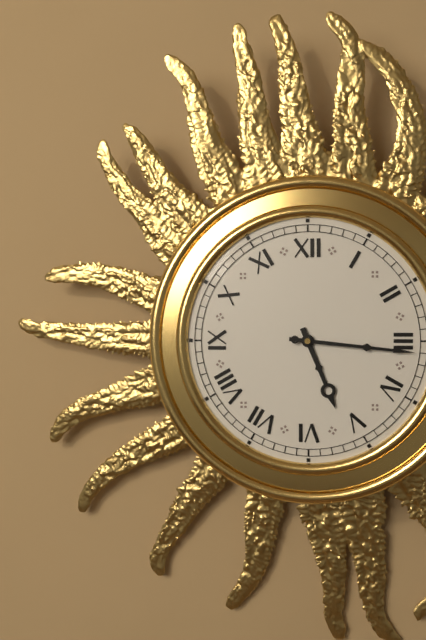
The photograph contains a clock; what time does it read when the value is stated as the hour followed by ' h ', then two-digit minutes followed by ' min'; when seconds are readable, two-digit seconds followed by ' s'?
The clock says 5 h 16 min
